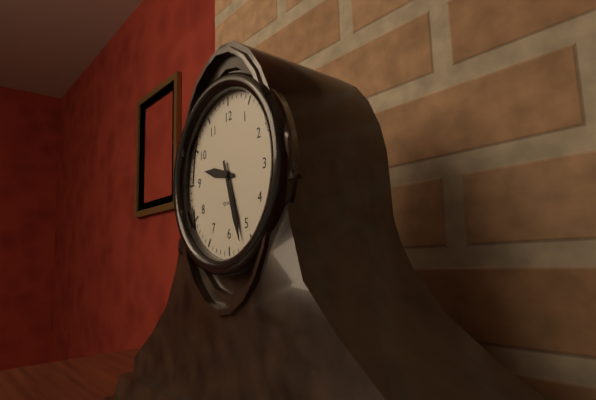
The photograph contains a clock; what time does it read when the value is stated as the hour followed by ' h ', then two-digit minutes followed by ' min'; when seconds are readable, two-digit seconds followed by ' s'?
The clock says 9 h 27 min
